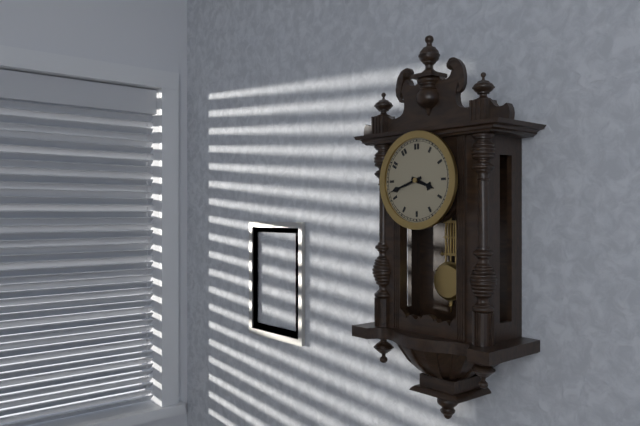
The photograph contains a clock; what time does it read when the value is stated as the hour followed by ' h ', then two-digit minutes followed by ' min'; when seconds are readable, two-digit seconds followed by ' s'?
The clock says 3 h 42 min
